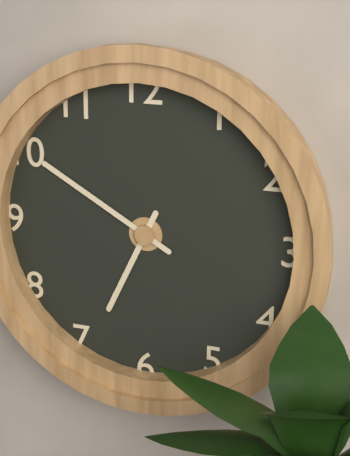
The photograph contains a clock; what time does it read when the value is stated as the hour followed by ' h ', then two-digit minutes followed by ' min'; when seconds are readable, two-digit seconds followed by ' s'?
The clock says 6 h 50 min
